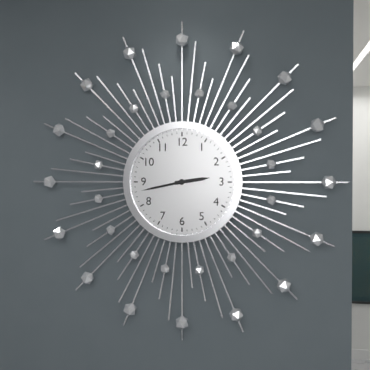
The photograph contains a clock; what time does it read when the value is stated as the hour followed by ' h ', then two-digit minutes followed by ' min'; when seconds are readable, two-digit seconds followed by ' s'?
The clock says 2 h 43 min
